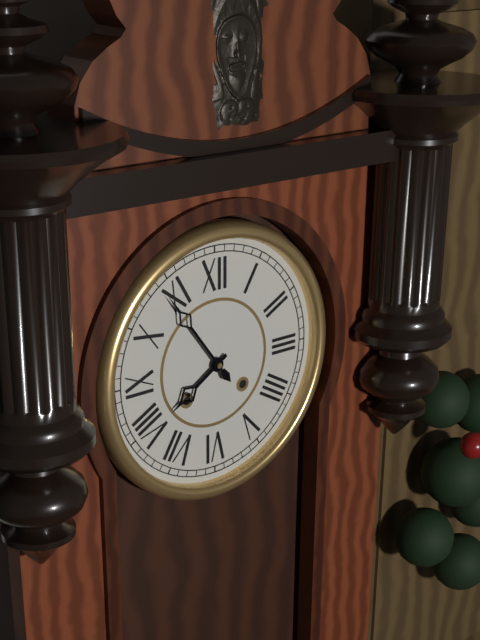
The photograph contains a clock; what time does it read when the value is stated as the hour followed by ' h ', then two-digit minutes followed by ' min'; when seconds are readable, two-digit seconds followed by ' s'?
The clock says 7 h 54 min
